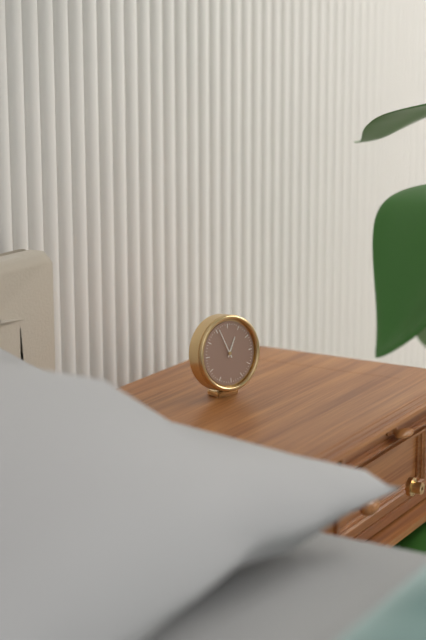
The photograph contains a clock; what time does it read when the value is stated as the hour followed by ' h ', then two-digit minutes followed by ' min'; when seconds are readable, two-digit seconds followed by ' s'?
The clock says 12 h 56 min
